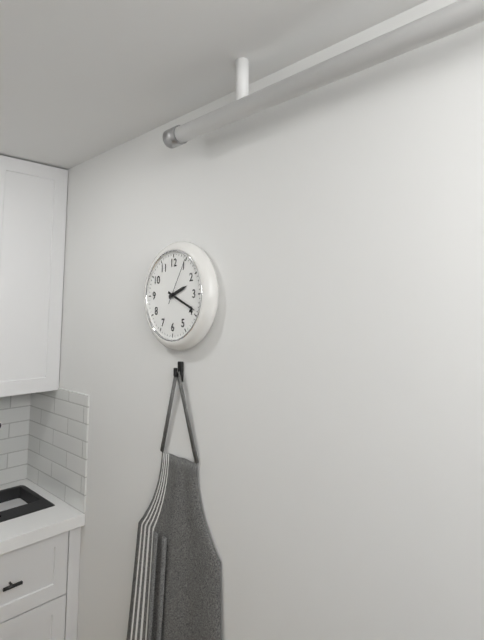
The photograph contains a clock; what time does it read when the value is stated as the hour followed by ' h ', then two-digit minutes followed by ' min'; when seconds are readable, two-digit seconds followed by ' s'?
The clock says 2 h 19 min
